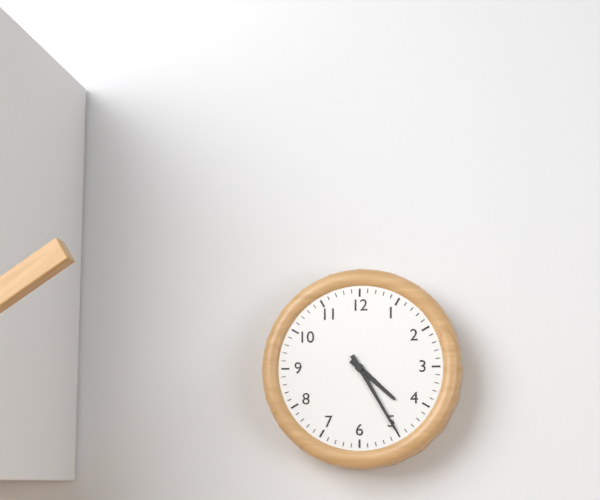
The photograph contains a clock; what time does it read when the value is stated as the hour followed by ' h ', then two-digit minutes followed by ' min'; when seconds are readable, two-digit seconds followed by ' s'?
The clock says 4 h 25 min
